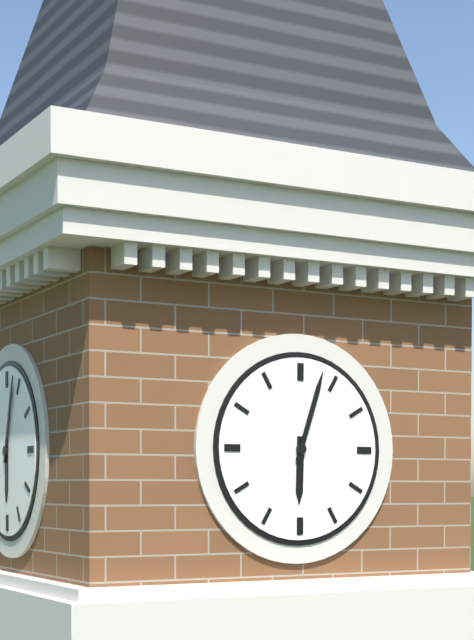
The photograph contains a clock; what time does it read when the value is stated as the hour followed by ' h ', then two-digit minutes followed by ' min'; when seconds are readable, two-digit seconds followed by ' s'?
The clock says 6 h 03 min
